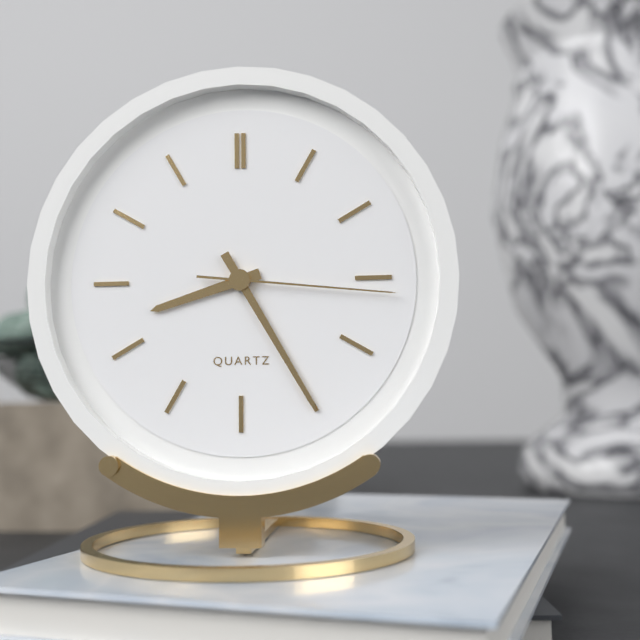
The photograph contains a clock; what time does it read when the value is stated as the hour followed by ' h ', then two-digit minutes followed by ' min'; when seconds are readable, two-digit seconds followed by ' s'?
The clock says 8 h 25 min 16 s
